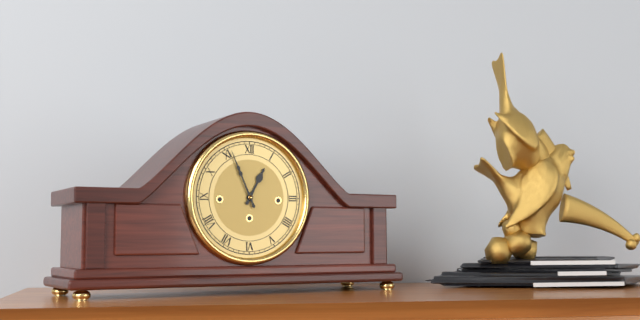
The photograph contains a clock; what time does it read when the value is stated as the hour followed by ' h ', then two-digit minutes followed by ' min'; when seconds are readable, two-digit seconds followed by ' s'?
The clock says 12 h 56 min
